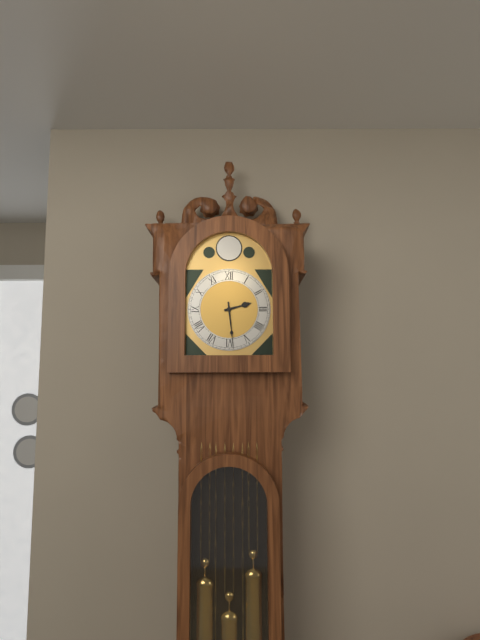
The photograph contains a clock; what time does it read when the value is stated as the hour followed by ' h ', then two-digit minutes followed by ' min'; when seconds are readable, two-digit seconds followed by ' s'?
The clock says 2 h 29 min
